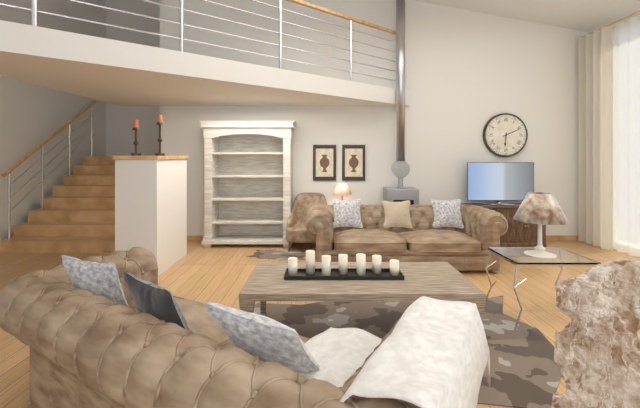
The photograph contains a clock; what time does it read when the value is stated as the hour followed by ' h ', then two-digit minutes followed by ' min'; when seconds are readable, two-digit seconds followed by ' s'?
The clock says 6 h 11 min
